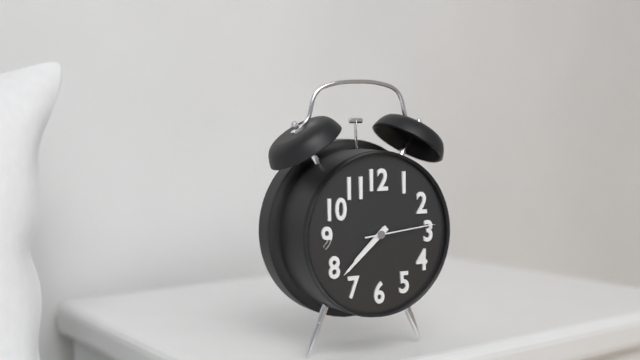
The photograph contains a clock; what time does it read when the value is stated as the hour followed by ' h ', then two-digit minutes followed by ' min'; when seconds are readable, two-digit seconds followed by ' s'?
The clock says 7 h 38 min 14 s
